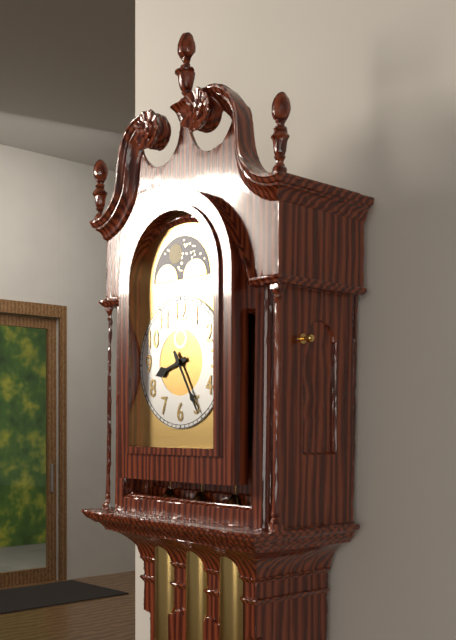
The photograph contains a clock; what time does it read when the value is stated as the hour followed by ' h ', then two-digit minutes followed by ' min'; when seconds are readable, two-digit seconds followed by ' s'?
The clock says 8 h 25 min
